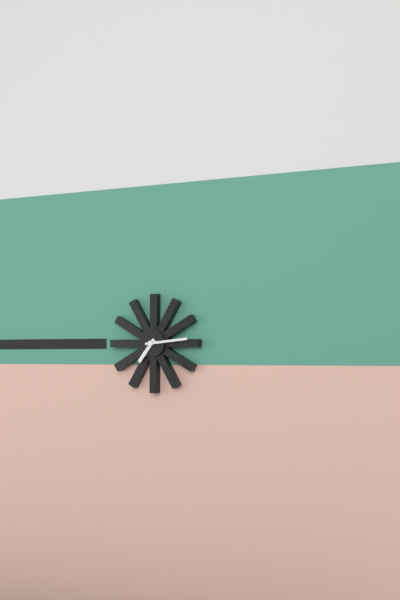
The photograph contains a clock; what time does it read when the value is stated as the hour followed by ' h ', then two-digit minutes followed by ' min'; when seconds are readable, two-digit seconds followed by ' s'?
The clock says 7 h 14 min
